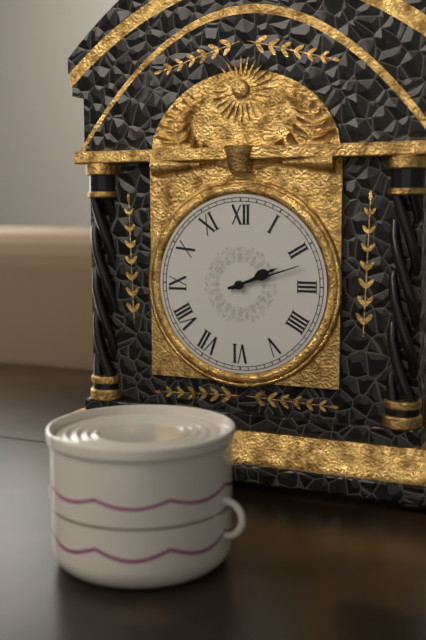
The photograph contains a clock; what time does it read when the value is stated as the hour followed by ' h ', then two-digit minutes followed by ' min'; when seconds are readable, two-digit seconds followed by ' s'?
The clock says 2 h 12 min
